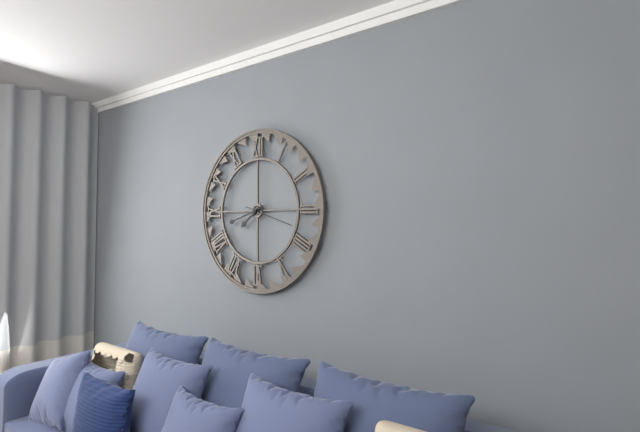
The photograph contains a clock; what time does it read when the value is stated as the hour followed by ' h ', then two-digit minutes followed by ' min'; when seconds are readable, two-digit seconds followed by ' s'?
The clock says 7 h 42 min
